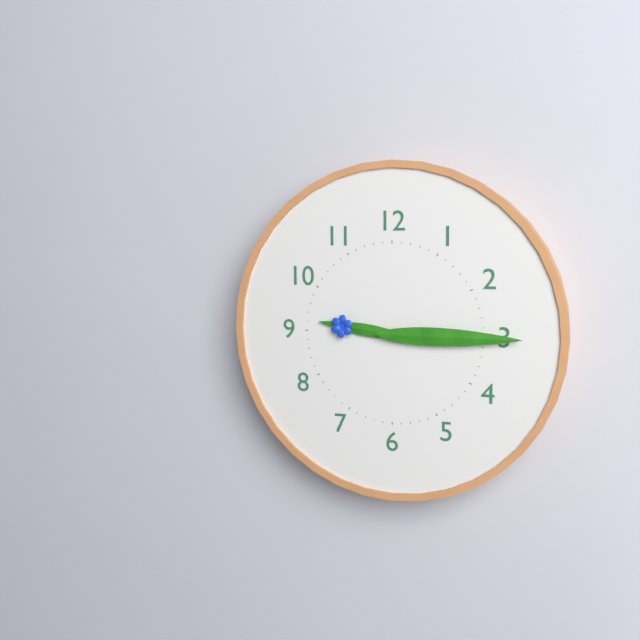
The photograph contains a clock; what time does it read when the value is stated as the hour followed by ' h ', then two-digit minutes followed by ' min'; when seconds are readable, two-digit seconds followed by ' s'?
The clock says 9 h 15 min
